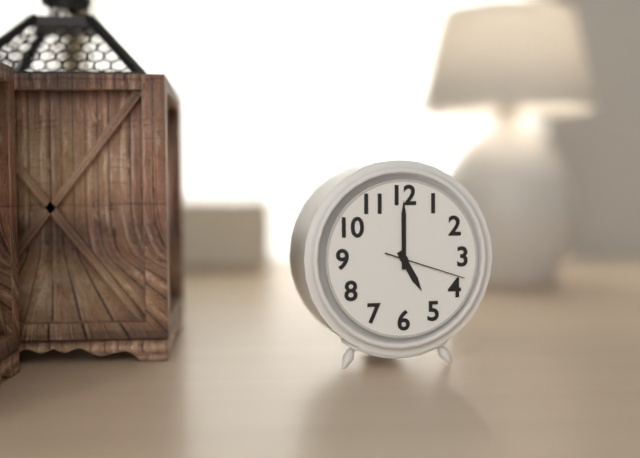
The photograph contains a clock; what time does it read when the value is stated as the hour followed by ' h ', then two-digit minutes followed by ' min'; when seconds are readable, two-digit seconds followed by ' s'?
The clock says 5 h 00 min 18 s
